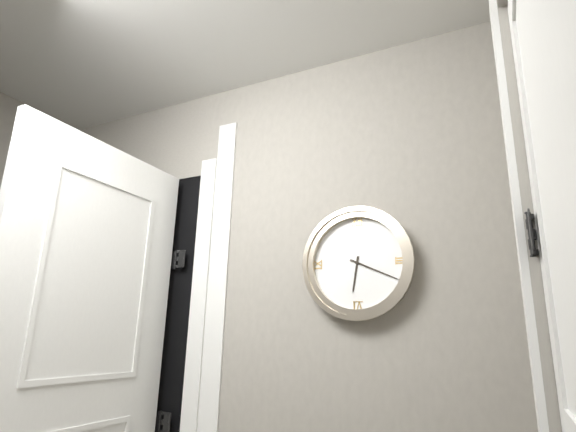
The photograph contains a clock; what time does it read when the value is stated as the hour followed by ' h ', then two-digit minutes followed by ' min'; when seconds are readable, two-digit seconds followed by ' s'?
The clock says 6 h 19 min
